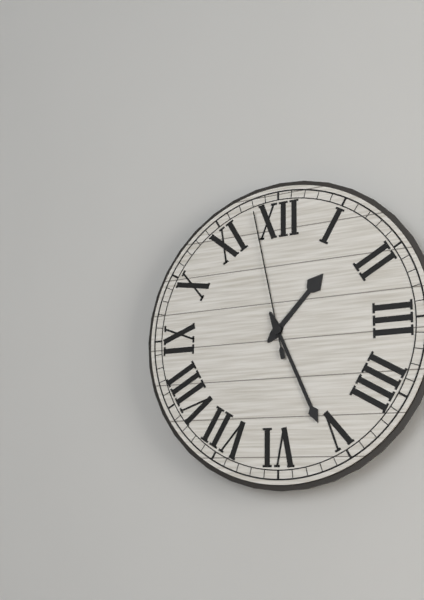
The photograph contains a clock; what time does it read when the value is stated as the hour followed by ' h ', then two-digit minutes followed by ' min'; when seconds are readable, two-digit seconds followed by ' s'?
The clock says 1 h 26 min 58 s
